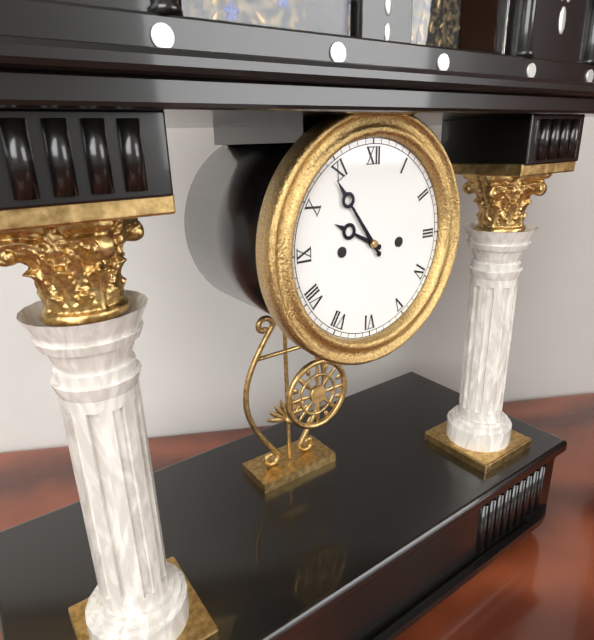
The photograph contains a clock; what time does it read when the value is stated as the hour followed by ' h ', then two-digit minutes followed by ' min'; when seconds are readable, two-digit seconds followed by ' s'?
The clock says 9 h 54 min
